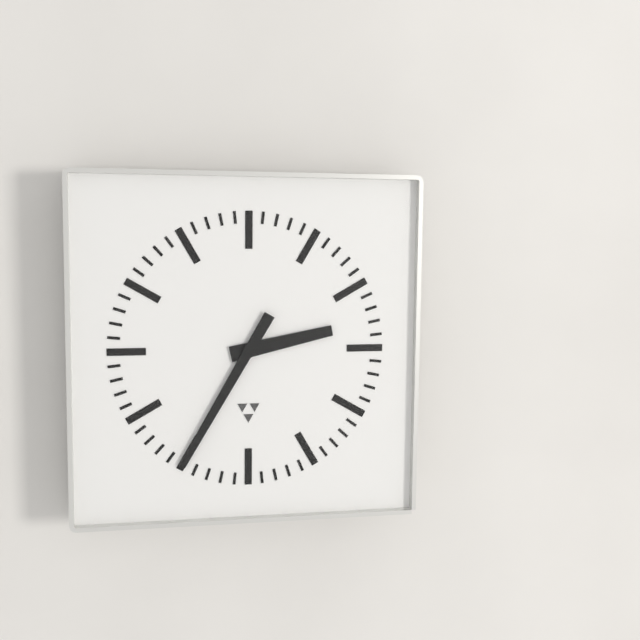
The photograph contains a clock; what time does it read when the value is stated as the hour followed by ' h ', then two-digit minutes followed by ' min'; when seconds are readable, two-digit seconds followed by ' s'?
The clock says 2 h 35 min
